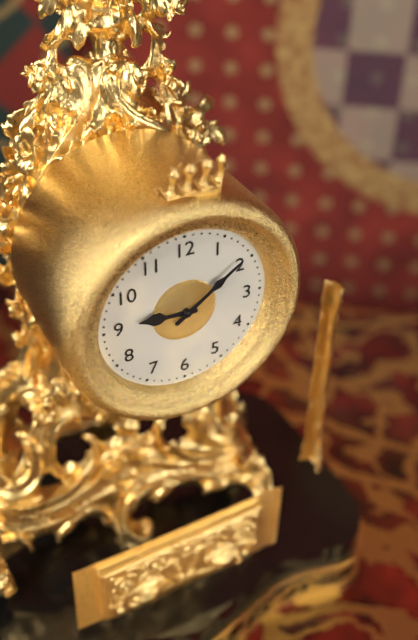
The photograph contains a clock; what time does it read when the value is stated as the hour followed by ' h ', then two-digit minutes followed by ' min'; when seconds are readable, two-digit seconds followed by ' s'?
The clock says 9 h 09 min
